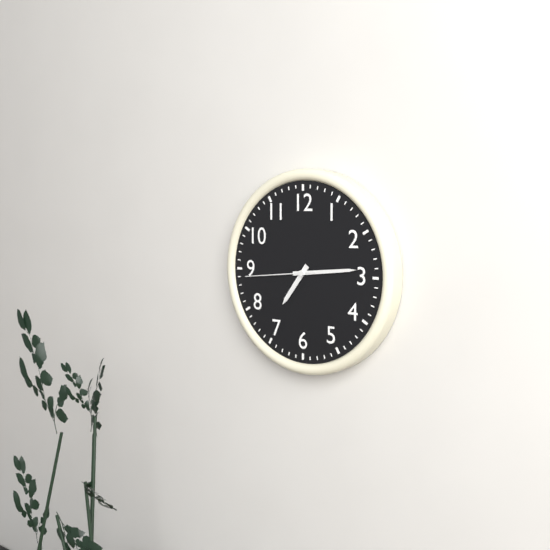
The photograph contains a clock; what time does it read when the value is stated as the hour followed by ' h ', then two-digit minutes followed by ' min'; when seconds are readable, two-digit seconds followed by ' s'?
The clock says 7 h 14 min 44 s
